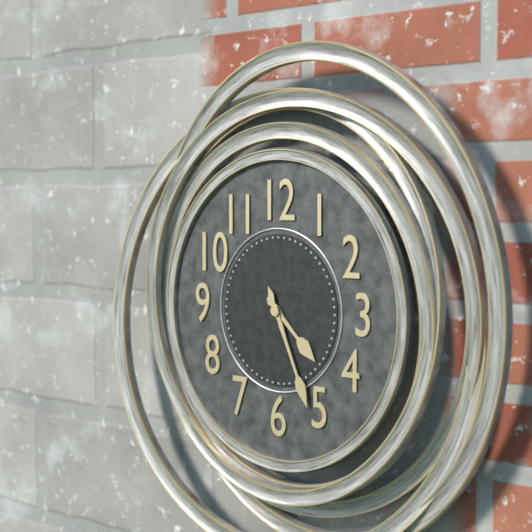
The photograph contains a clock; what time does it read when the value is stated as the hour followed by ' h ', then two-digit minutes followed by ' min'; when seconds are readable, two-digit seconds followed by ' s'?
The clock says 4 h 26 min
